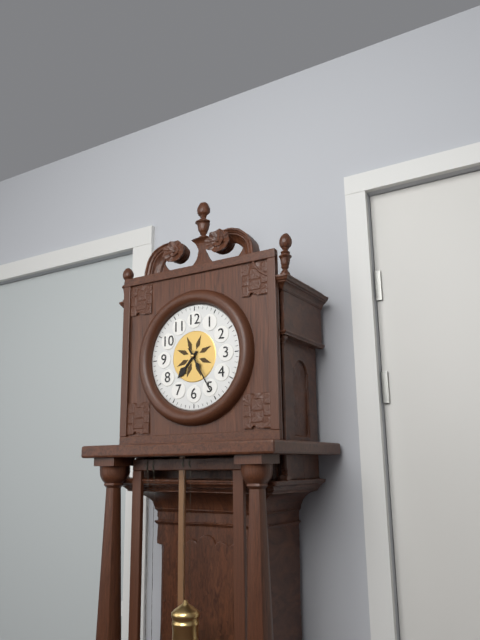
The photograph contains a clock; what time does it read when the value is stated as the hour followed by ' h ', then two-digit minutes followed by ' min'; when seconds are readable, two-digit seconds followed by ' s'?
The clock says 7 h 25 min
